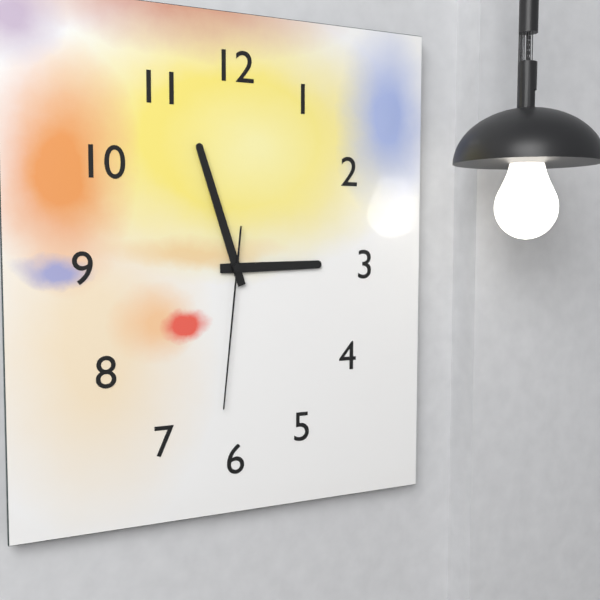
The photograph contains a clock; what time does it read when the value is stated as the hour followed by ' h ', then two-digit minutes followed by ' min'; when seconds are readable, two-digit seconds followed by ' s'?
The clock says 2 h 57 min 31 s
